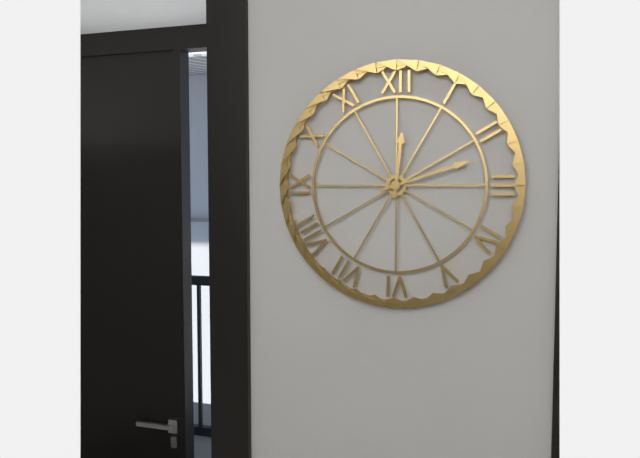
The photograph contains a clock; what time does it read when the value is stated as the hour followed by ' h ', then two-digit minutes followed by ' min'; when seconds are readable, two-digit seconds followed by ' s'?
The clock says 12 h 12 min
